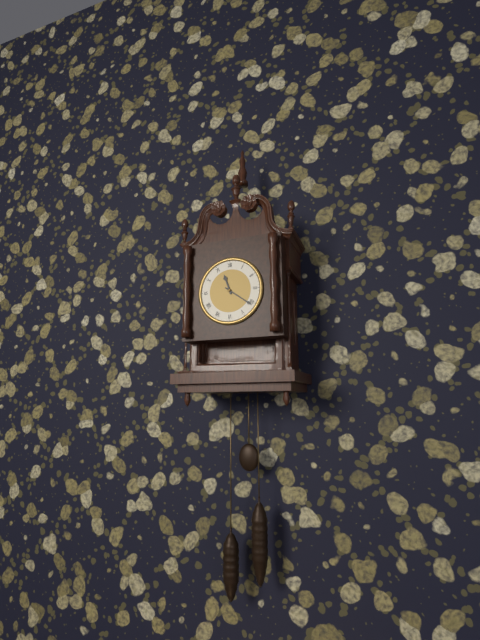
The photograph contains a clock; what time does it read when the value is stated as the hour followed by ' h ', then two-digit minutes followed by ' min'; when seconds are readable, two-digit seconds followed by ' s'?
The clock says 11 h 21 min
